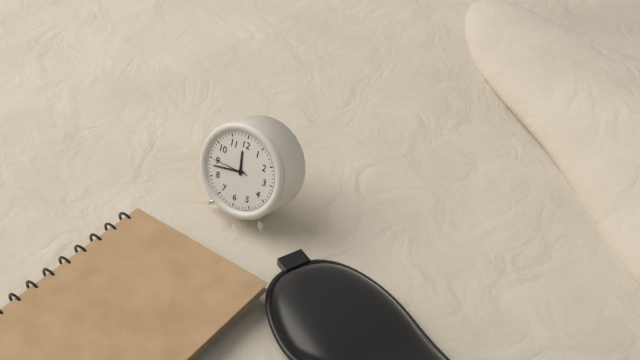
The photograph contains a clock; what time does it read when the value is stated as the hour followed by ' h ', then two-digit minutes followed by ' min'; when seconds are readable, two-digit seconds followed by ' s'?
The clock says 11 h 43 min
